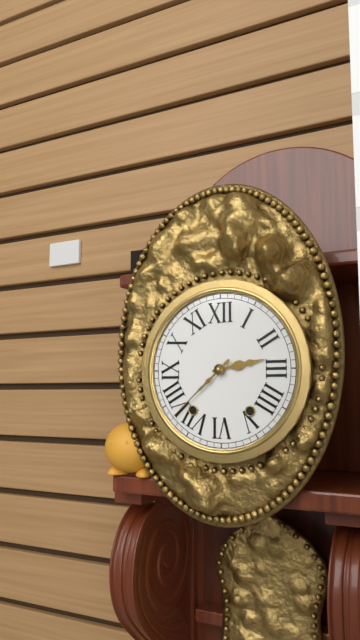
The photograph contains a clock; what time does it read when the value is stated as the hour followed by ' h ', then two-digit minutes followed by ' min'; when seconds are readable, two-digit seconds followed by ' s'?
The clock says 2 h 38 min
